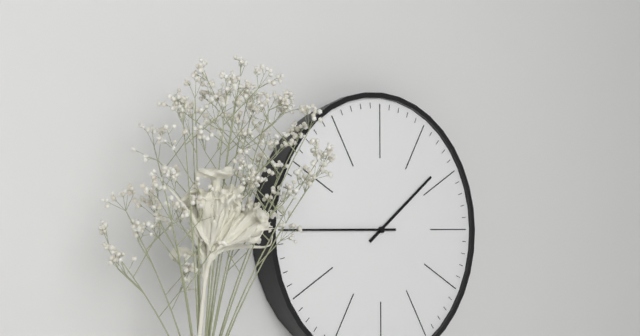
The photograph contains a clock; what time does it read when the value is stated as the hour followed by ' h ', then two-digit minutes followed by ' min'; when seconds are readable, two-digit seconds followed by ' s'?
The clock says 1 h 45 min
